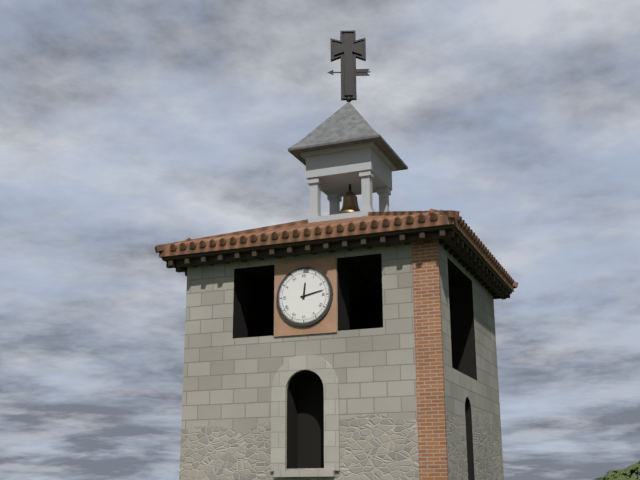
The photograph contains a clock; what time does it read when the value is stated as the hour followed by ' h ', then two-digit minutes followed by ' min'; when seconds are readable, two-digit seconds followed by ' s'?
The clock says 12 h 13 min
